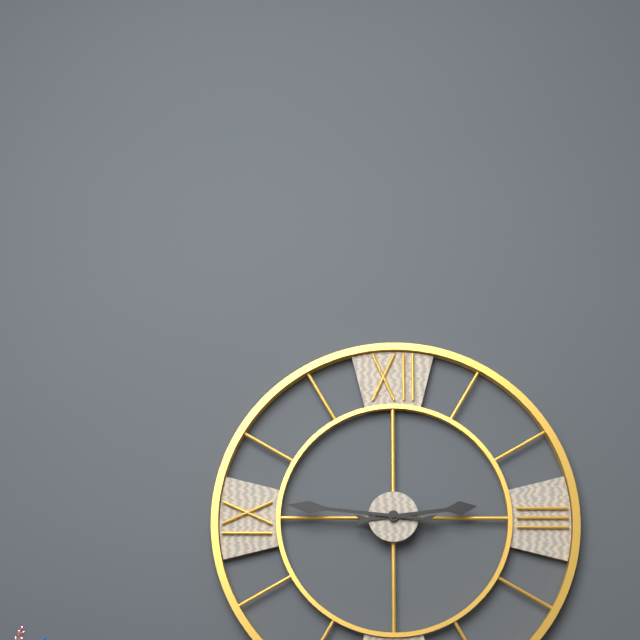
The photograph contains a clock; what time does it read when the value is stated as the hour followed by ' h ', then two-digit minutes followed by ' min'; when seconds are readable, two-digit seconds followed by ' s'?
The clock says 2 h 46 min
